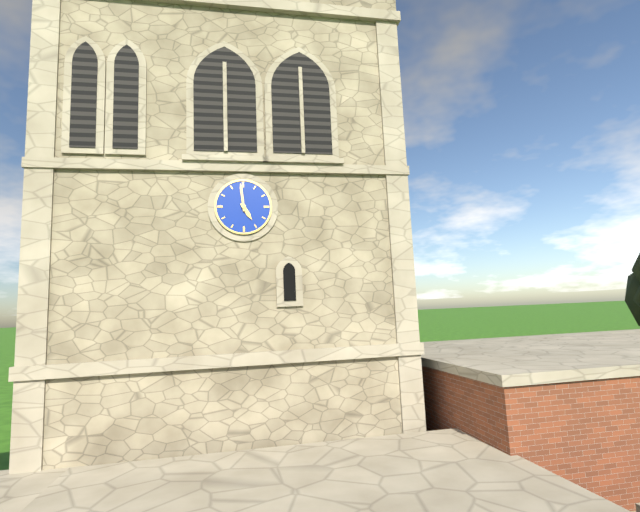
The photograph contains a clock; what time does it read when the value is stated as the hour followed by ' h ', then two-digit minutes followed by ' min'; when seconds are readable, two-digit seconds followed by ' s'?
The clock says 4 h 59 min
